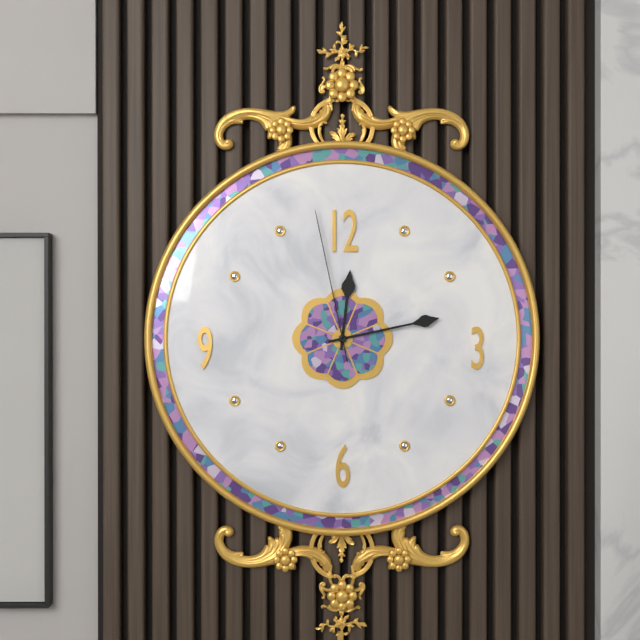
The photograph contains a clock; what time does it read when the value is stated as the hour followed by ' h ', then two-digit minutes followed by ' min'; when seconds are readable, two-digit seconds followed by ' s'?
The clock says 12 h 13 min 58 s
